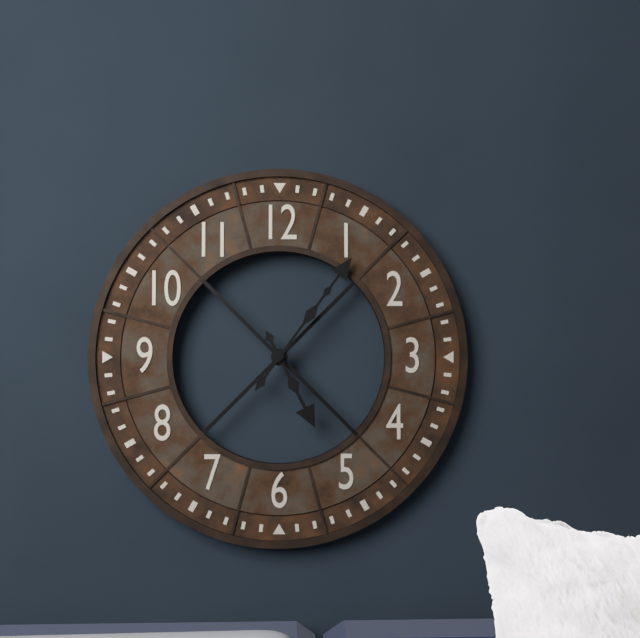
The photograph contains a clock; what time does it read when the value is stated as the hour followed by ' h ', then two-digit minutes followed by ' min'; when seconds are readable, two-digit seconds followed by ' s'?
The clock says 5 h 06 min
